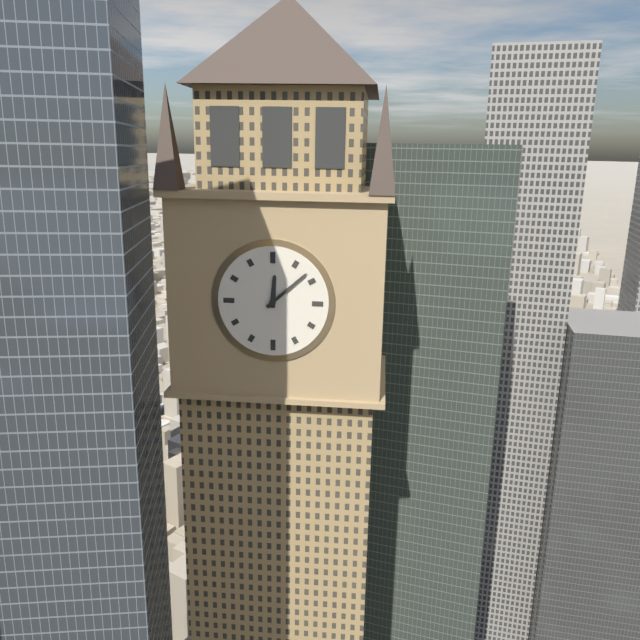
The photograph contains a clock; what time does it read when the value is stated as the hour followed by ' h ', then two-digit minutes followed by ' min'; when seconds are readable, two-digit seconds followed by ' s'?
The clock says 12 h 08 min
